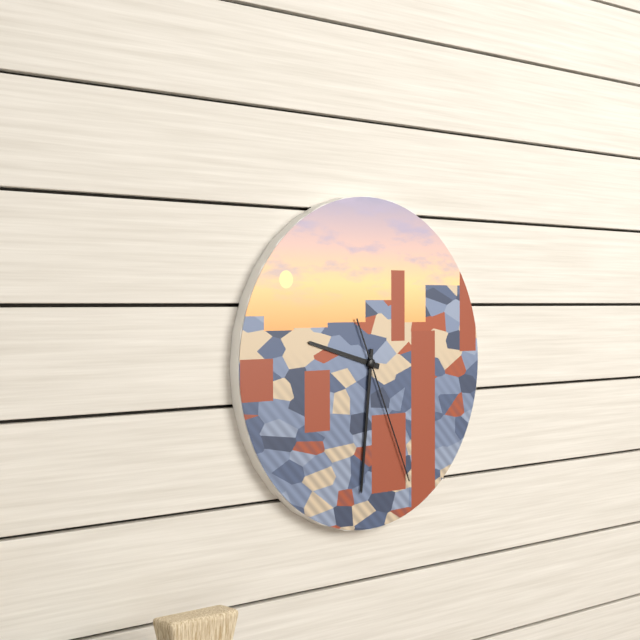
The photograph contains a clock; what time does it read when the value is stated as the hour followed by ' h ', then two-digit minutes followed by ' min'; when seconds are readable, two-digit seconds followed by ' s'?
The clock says 9 h 31 min 26 s
